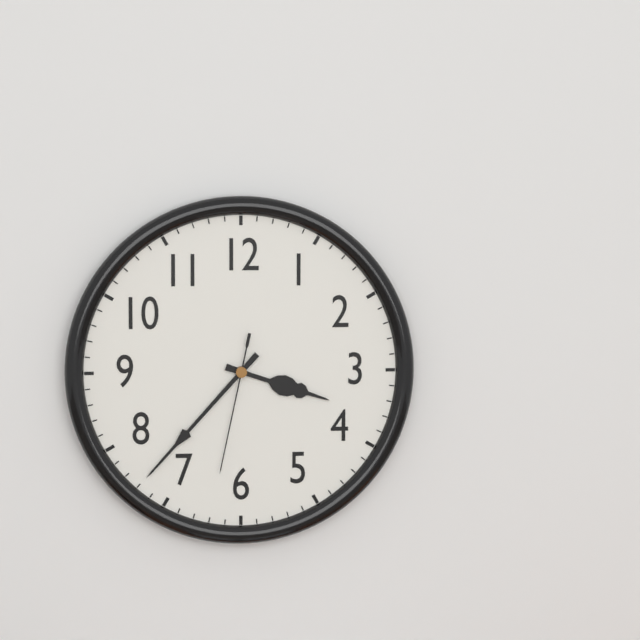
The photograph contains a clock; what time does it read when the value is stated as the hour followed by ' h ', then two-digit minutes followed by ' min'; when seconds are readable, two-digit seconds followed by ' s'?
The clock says 3 h 37 min 32 s
